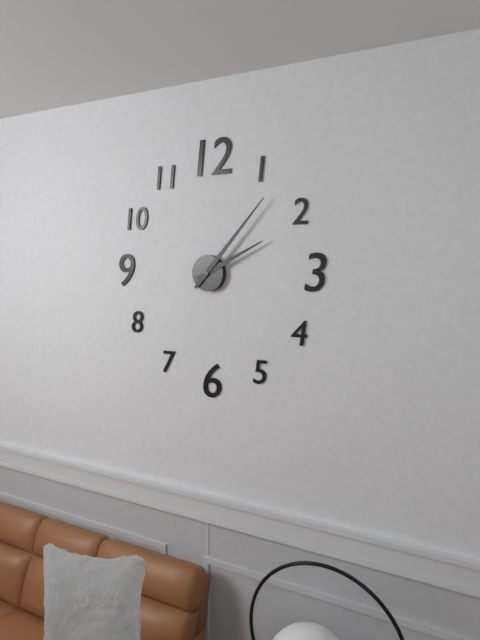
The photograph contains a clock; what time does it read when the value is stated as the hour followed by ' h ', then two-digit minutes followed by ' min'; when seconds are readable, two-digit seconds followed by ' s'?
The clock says 2 h 07 min
